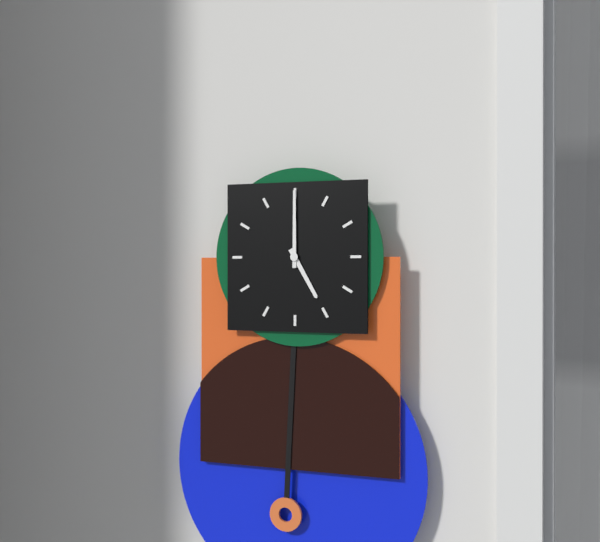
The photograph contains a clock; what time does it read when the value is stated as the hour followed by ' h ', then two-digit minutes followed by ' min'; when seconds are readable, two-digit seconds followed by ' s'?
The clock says 5 h 00 min
